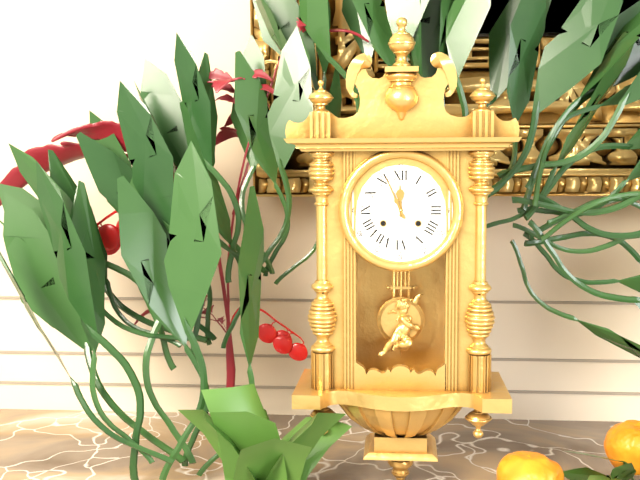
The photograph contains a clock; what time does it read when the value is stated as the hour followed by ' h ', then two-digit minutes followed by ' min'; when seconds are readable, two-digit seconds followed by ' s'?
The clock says 11 h 56 min
